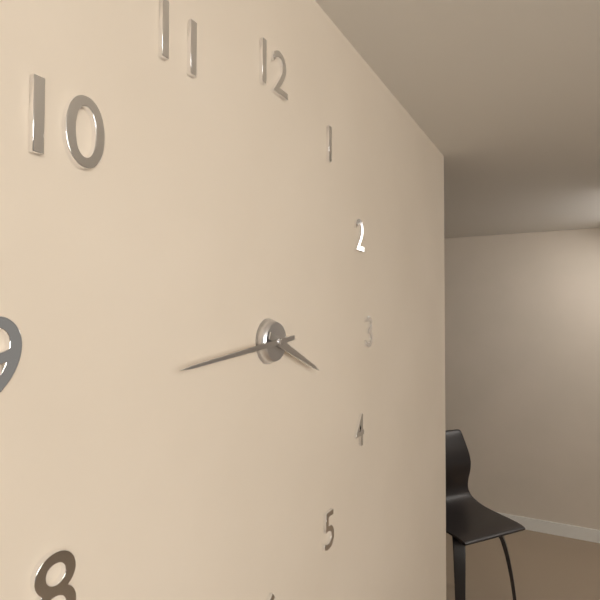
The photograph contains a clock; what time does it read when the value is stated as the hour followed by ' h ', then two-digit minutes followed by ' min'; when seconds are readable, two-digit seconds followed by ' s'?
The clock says 3 h 44 min
